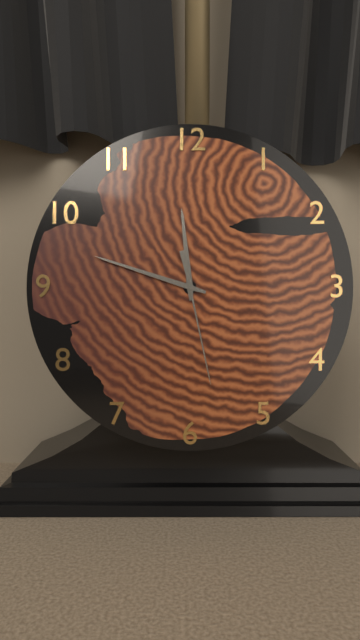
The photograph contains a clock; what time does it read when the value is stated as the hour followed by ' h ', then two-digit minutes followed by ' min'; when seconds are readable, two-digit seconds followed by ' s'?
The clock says 11 h 48 min 28 s
